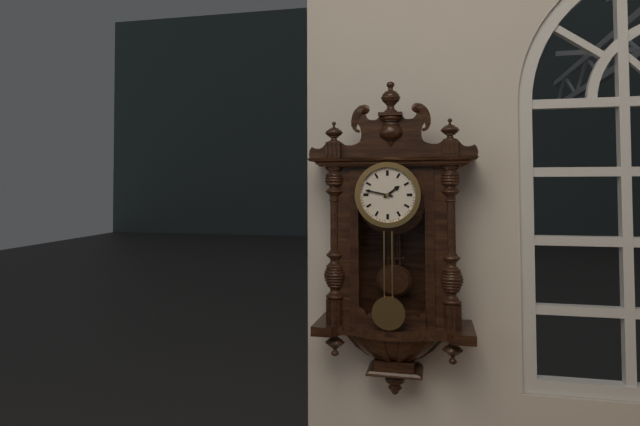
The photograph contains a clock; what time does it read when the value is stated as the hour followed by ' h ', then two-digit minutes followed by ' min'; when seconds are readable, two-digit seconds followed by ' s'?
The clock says 1 h 47 min
